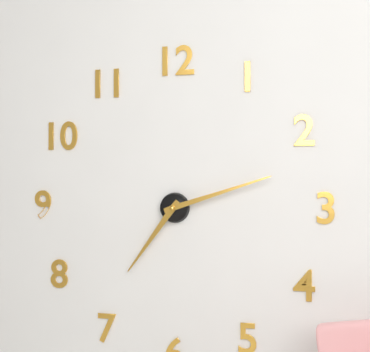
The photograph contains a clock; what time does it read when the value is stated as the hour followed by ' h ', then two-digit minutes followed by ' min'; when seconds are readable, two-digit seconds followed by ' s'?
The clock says 7 h 12 min
